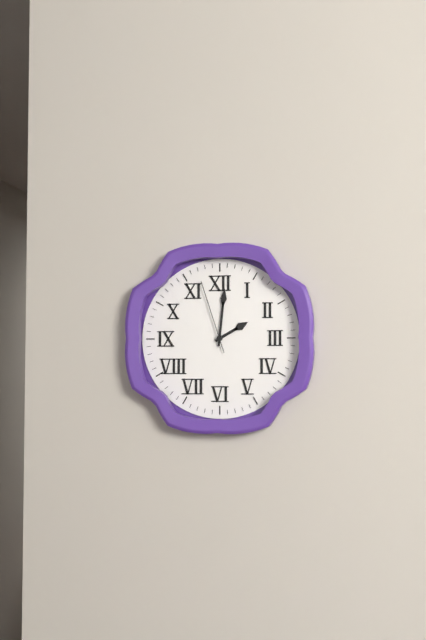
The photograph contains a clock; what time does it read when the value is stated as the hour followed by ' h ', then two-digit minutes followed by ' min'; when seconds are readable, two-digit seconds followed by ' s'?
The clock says 2 h 01 min 57 s
